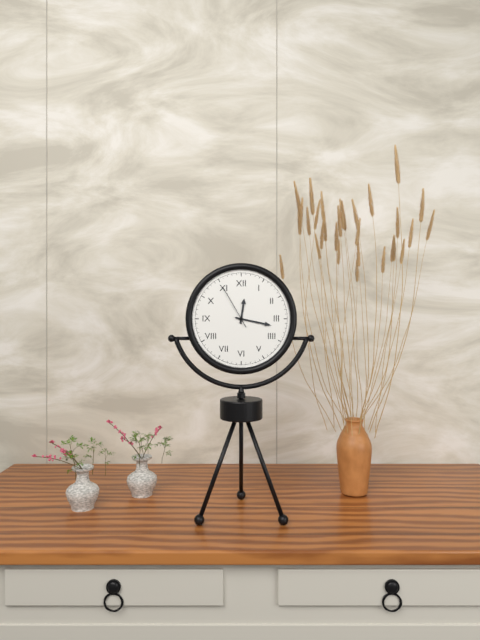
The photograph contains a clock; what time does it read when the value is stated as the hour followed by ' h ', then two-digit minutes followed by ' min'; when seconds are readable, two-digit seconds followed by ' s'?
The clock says 12 h 17 min
